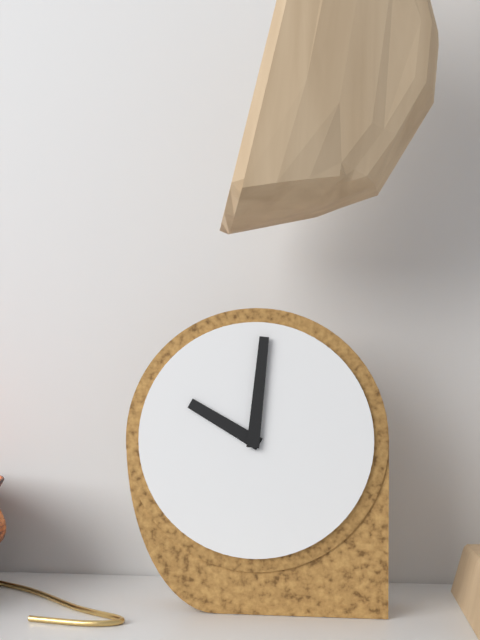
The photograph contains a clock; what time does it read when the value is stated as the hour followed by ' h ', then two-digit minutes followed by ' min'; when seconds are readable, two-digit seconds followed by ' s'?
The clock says 10 h 01 min
